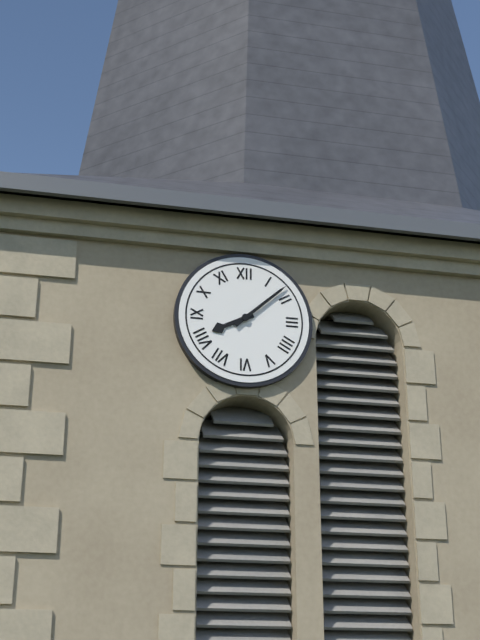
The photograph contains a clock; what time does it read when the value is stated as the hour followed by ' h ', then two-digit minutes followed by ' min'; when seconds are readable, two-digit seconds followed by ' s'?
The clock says 8 h 08 min
